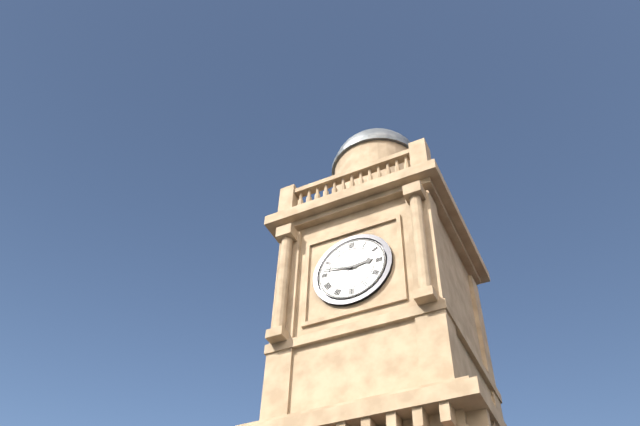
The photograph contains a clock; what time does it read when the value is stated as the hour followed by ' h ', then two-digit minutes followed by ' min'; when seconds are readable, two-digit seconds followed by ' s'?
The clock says 2 h 47 min
